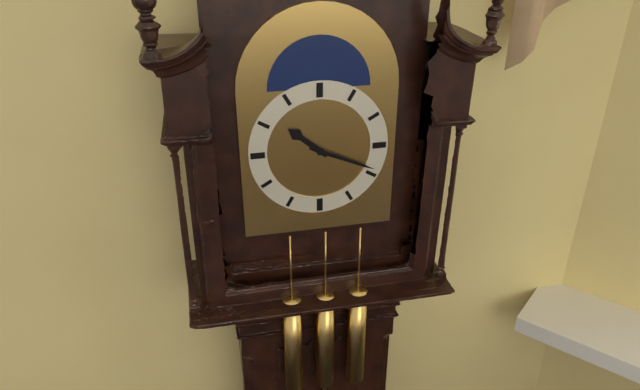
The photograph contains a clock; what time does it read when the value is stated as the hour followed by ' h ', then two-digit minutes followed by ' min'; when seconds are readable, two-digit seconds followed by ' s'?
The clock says 10 h 19 min
